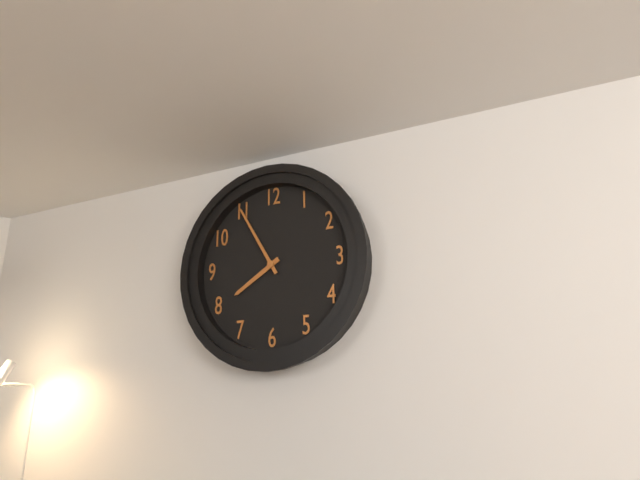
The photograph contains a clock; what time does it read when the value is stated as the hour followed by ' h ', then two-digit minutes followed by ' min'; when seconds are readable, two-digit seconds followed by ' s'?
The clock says 7 h 55 min
